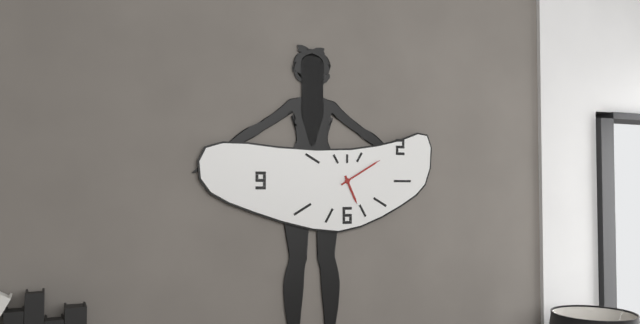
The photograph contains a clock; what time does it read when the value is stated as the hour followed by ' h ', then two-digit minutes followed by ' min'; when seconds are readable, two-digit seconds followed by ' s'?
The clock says 5 h 10 min
